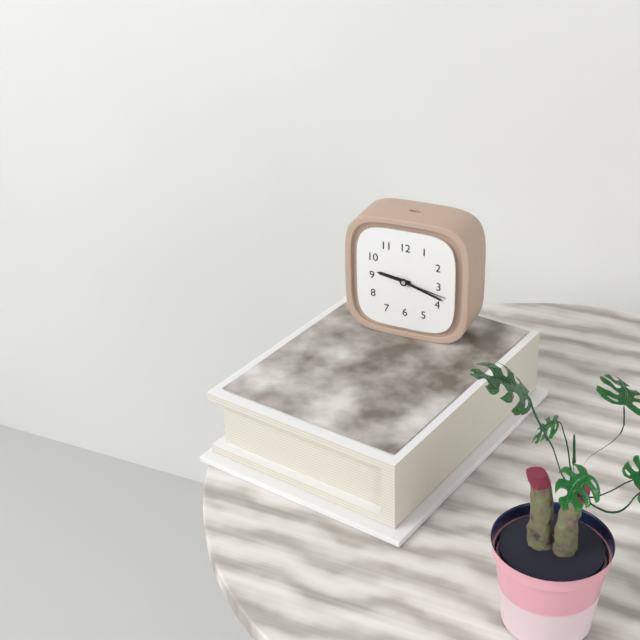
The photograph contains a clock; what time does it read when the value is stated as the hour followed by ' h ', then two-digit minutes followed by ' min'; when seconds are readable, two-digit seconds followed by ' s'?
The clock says 9 h 18 min 17 s
